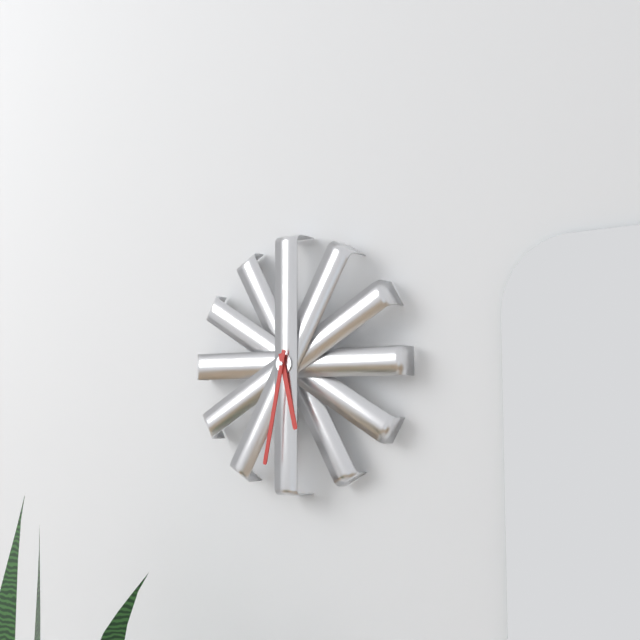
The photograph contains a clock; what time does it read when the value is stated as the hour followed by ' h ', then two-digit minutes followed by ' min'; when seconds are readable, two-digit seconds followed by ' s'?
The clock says 5 h 32 min
